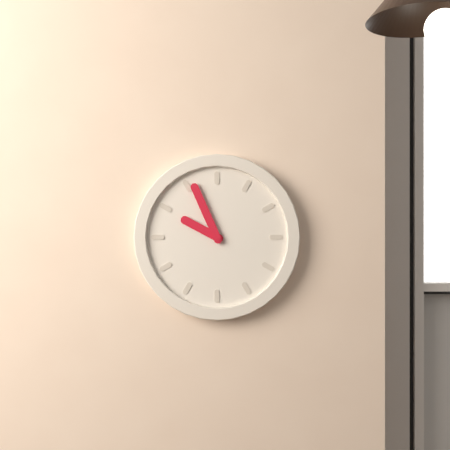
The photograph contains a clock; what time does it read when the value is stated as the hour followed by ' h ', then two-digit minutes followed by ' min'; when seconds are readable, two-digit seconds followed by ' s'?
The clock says 9 h 56 min
